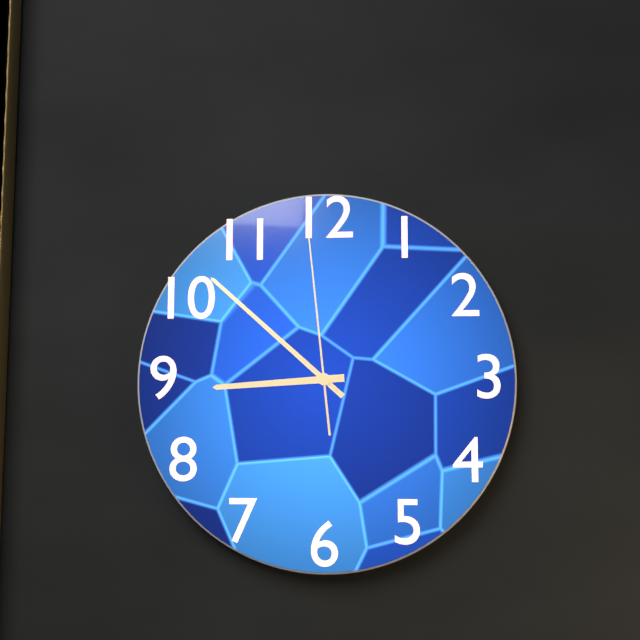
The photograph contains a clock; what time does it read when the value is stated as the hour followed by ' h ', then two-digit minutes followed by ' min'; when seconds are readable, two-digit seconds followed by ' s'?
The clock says 8 h 52 min 59 s
